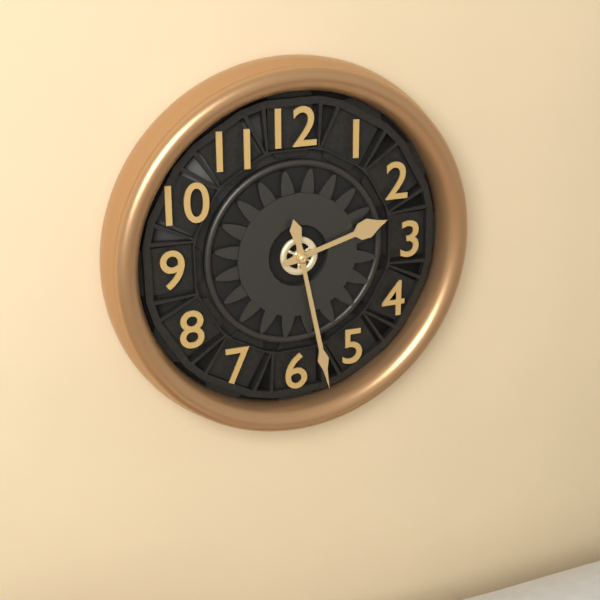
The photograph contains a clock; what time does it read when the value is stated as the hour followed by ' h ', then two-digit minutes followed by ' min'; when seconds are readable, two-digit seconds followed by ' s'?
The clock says 2 h 28 min
